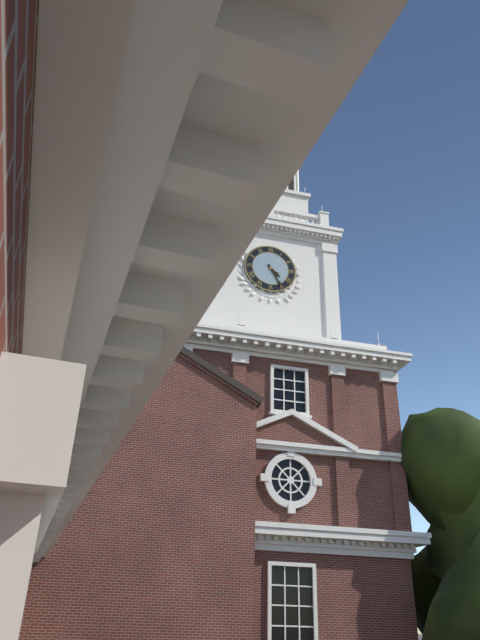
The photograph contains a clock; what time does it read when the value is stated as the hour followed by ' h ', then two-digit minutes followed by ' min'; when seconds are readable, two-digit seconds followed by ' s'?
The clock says 4 h 25 min
